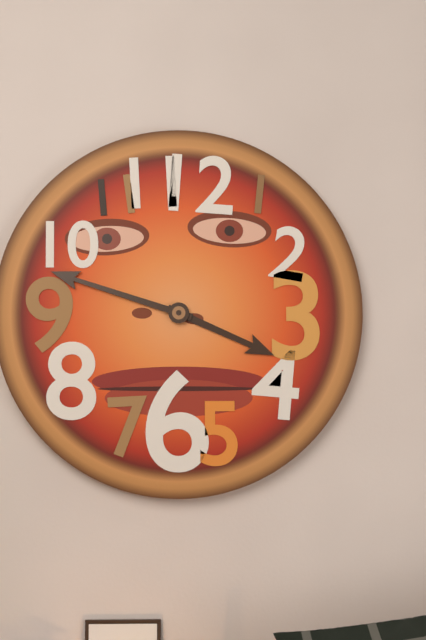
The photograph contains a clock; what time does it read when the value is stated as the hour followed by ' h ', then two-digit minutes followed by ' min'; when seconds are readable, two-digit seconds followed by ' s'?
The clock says 3 h 48 min
